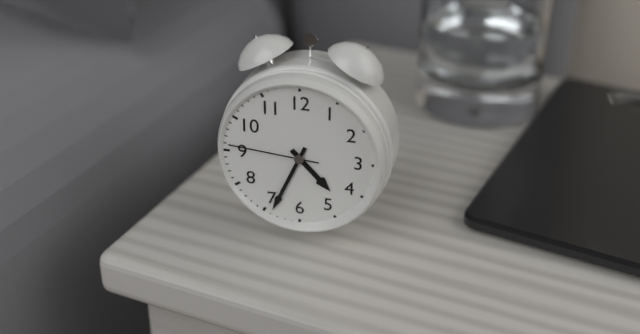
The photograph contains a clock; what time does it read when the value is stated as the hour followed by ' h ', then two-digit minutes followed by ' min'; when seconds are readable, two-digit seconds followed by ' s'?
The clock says 4 h 34 min 46 s
